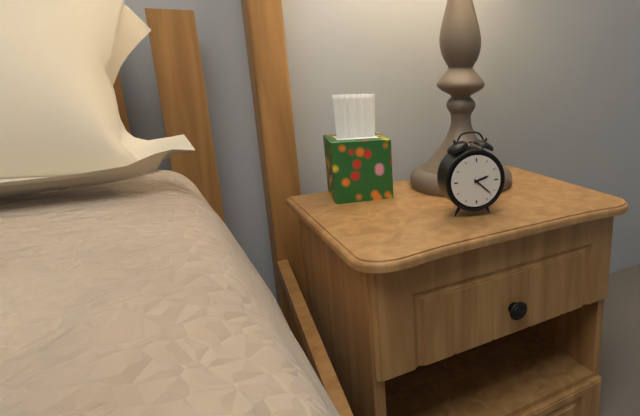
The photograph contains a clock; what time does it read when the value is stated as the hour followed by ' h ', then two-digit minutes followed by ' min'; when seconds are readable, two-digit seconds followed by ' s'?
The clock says 2 h 22 min
